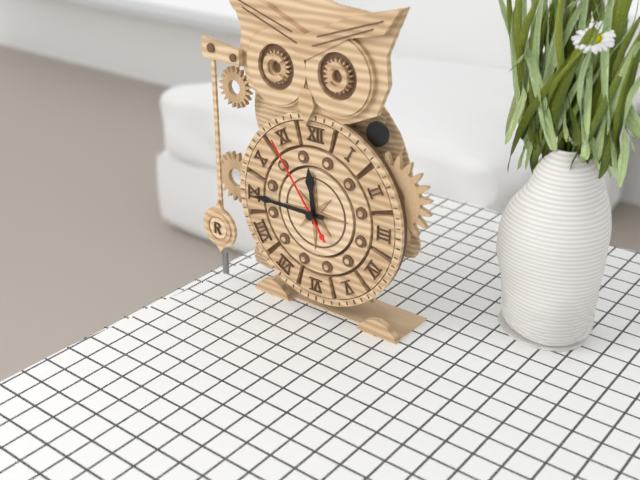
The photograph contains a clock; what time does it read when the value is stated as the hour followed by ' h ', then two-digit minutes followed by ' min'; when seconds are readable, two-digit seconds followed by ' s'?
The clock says 11 h 45 min 54 s
